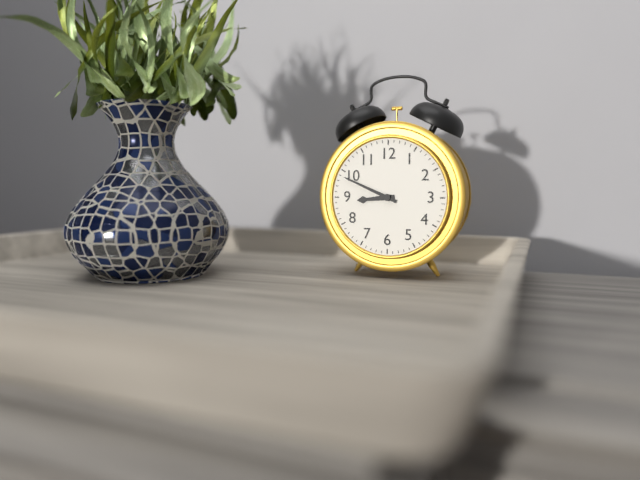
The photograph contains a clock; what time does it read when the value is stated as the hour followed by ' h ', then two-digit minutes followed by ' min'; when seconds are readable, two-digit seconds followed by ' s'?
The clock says 8 h 49 min
